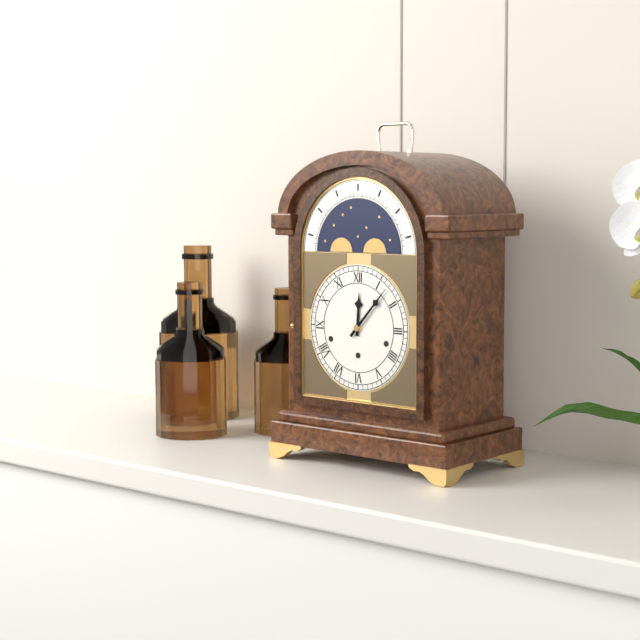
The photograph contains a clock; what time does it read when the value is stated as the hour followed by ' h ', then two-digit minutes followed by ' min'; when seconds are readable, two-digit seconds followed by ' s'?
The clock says 12 h 07 min
